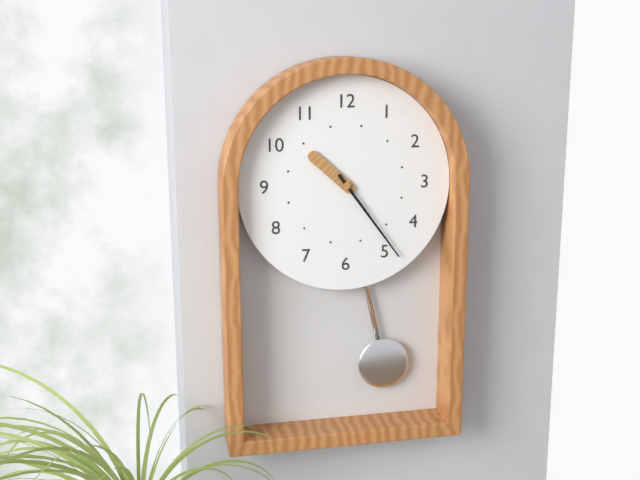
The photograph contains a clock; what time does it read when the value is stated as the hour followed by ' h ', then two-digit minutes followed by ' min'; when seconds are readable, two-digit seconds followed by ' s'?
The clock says 10 h 24 min
